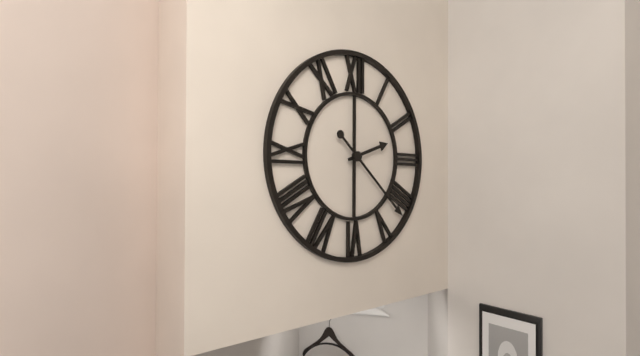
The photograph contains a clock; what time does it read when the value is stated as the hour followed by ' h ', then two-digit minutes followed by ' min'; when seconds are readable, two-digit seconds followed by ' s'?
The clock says 2 h 22 min
